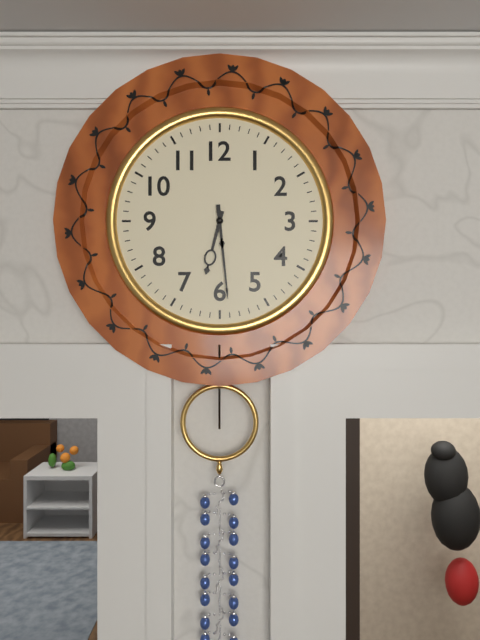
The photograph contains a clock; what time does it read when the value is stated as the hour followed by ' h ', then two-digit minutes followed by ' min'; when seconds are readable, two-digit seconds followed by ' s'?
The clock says 6 h 29 min
